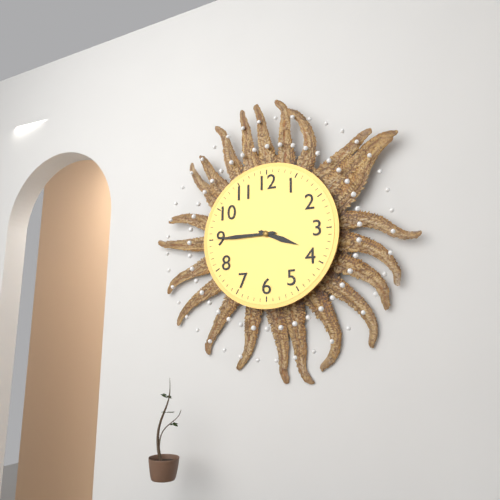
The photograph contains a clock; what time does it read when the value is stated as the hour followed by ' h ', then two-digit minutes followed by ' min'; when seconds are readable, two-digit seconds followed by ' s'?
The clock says 3 h 45 min
